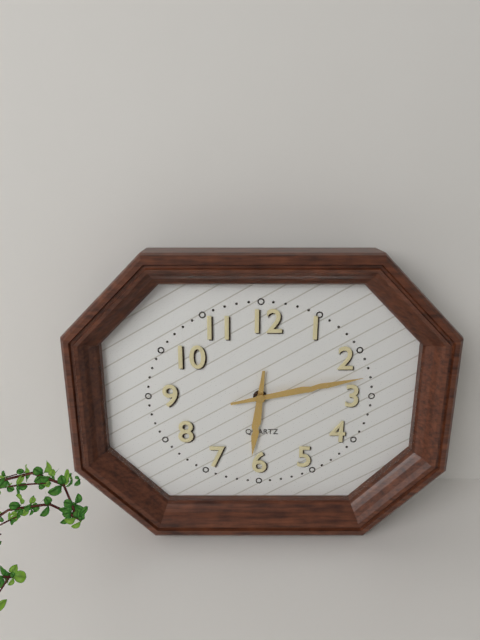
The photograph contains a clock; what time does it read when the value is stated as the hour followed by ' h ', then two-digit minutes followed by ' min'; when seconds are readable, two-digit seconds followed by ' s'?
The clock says 6 h 13 min
